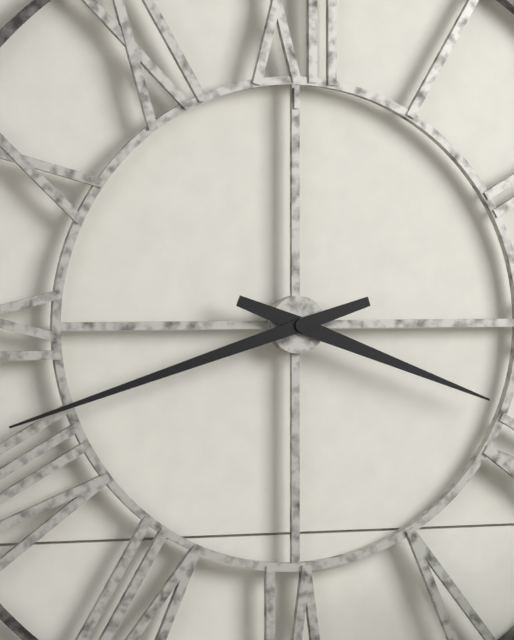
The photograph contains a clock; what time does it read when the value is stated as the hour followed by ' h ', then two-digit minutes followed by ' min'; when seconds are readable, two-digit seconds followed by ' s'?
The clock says 3 h 42 min
